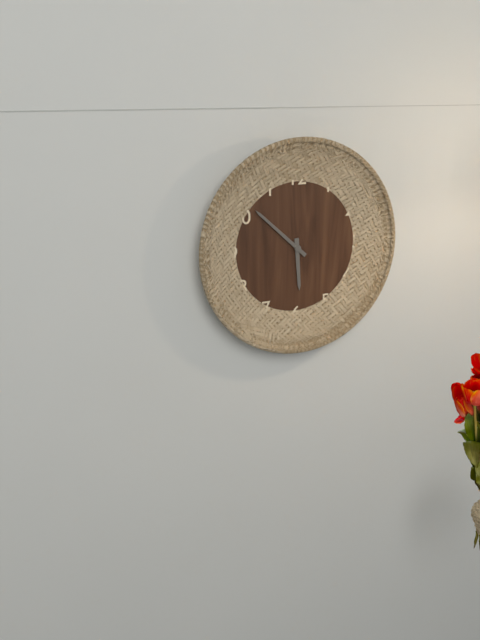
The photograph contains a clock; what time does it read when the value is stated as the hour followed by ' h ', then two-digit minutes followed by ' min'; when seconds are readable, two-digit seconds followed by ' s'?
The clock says 5 h 52 min
